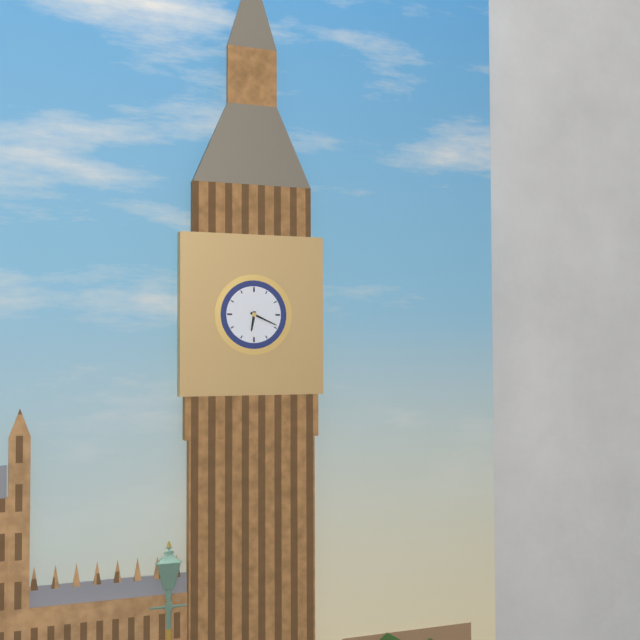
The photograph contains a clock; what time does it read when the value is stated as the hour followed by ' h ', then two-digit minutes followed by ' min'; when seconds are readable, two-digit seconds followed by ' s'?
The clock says 6 h 19 min
